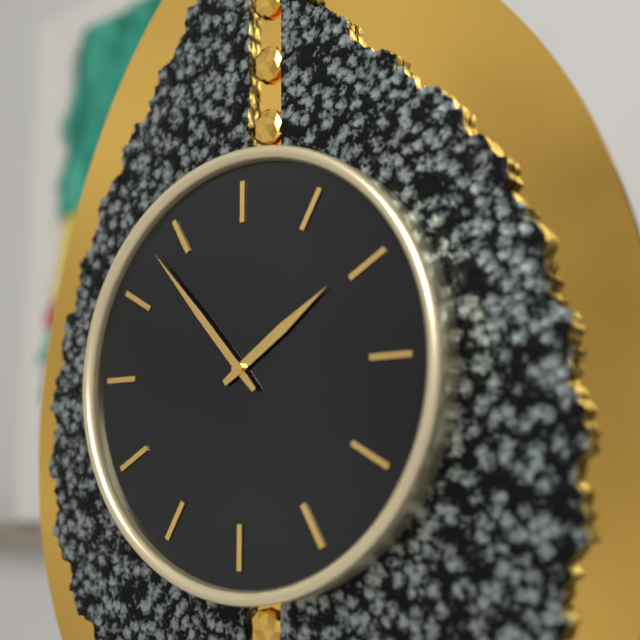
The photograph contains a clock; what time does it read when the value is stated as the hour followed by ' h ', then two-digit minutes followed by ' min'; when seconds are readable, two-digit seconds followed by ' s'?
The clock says 1 h 53 min
